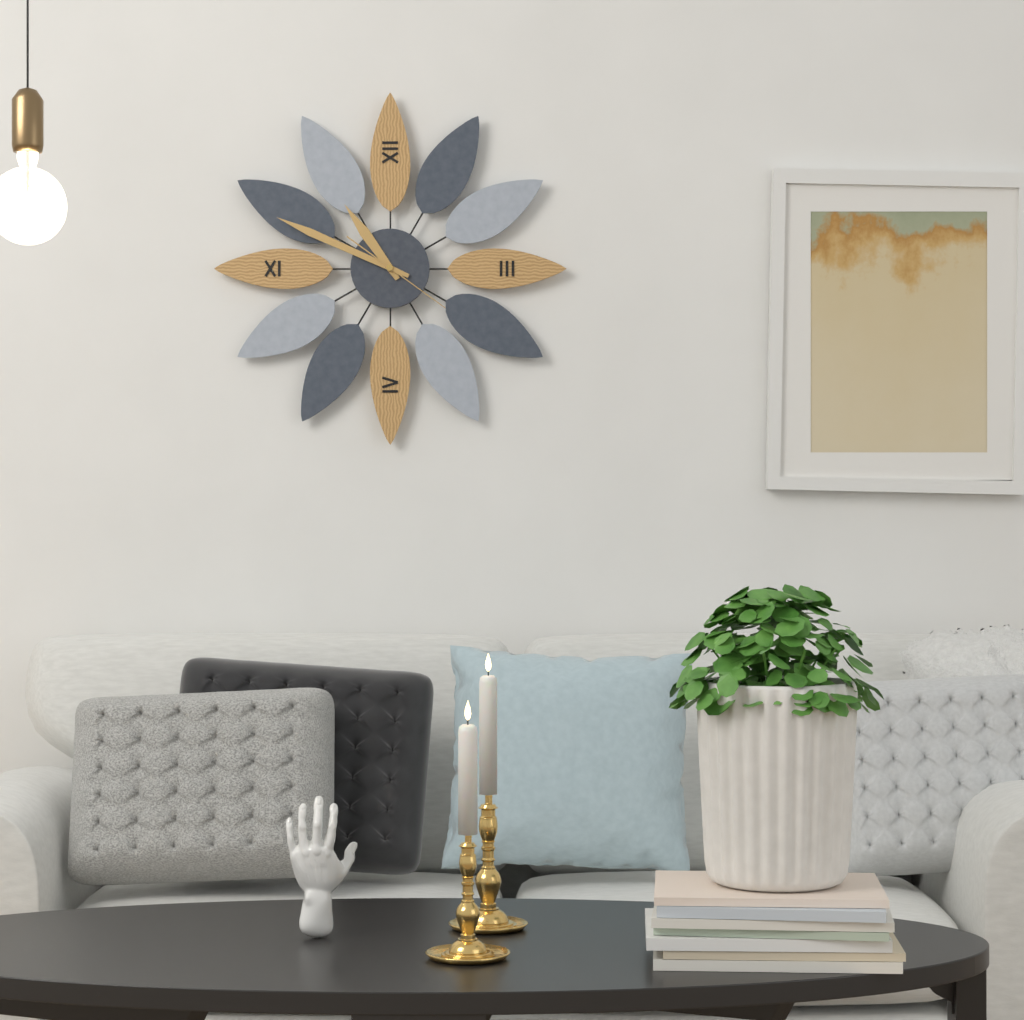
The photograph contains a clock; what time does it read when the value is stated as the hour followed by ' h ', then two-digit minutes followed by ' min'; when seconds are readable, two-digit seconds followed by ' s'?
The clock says 10 h 49 min 21 s
